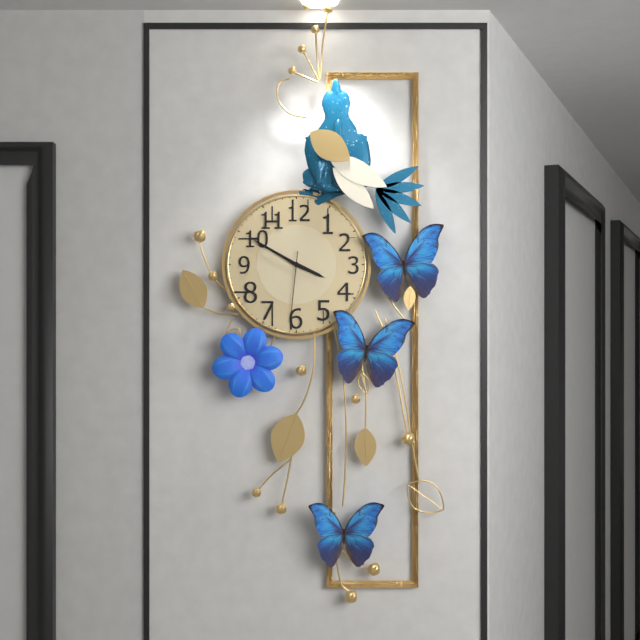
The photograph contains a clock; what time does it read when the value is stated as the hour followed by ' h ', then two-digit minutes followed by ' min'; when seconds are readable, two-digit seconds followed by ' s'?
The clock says 3 h 50 min 31 s
